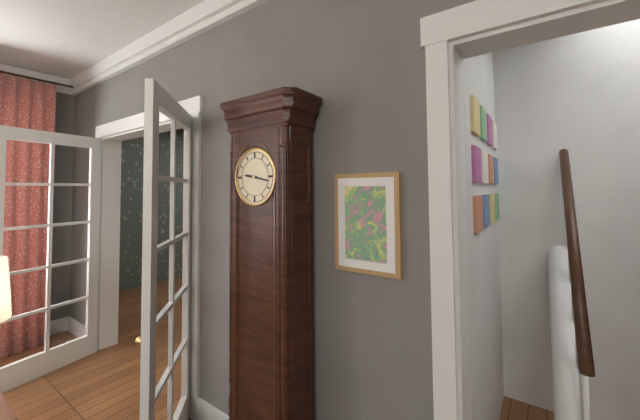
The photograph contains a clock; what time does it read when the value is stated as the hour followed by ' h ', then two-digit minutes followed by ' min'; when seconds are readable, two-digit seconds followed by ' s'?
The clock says 9 h 17 min
